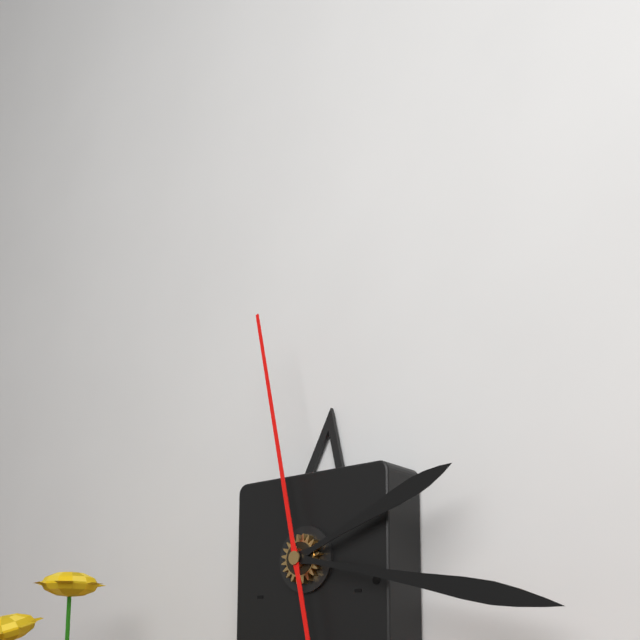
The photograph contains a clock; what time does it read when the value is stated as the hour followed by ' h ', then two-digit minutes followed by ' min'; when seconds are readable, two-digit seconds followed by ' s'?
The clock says 2 h 17 min 58 s
